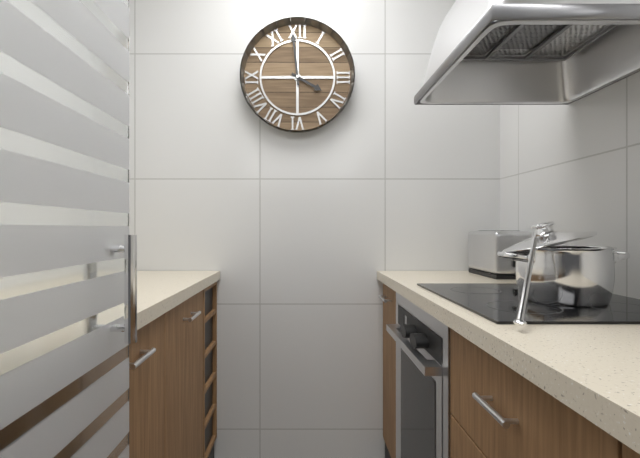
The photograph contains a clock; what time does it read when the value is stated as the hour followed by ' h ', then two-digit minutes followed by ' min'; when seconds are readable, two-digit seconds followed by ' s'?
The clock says 3 h 59 min
